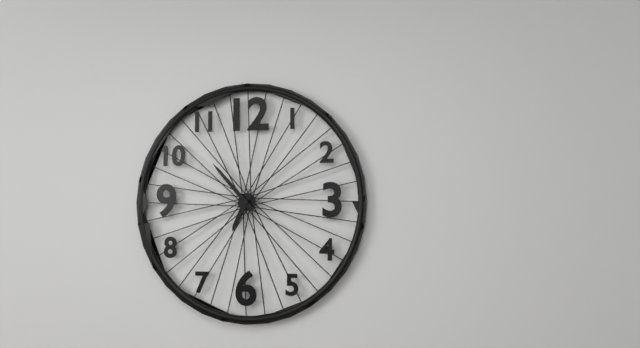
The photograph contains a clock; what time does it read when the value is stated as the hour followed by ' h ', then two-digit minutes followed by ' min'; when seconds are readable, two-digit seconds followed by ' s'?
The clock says 6 h 53 min
